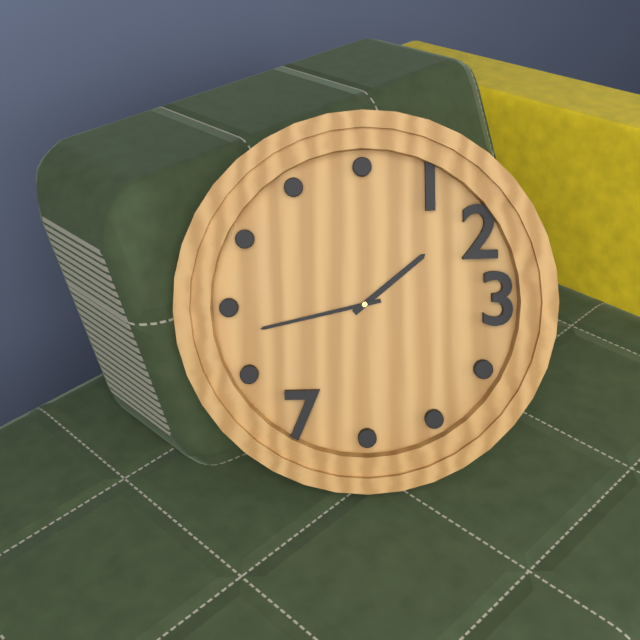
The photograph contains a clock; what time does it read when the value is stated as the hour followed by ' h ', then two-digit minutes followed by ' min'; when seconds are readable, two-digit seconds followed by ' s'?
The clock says 1 h 43 min
